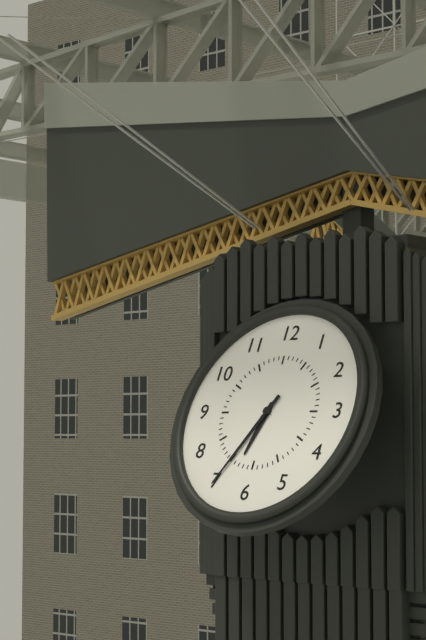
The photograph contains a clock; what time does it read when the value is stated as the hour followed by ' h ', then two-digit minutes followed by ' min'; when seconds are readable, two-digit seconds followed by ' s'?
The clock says 6 h 35 min
